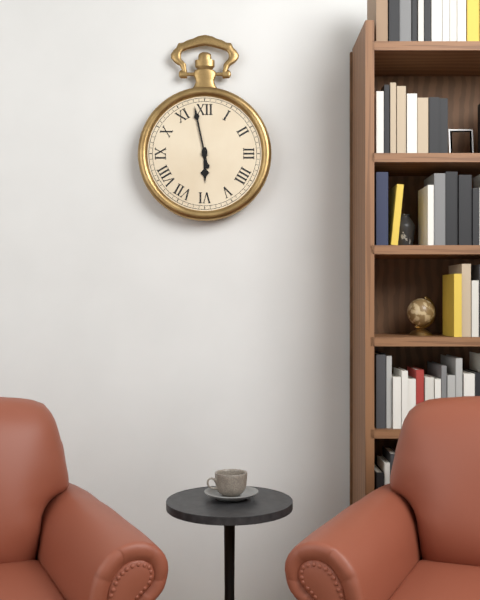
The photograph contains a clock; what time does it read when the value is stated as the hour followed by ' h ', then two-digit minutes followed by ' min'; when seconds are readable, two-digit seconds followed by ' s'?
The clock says 5 h 58 min
